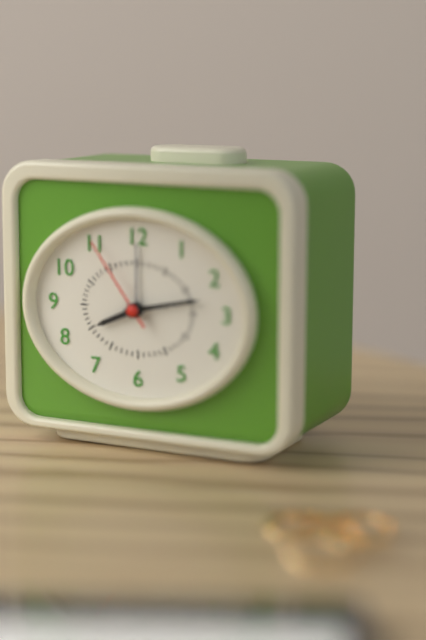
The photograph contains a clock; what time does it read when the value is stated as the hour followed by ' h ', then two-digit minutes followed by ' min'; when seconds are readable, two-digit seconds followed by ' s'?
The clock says 8 h 13 min 54 s
